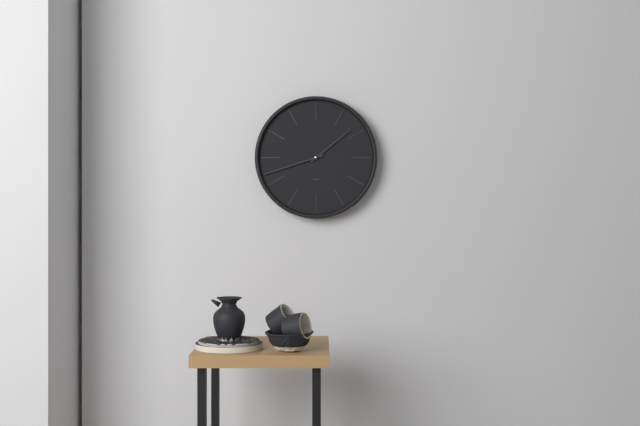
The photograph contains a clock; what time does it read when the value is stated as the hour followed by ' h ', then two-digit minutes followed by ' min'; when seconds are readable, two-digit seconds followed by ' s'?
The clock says 1 h 42 min
